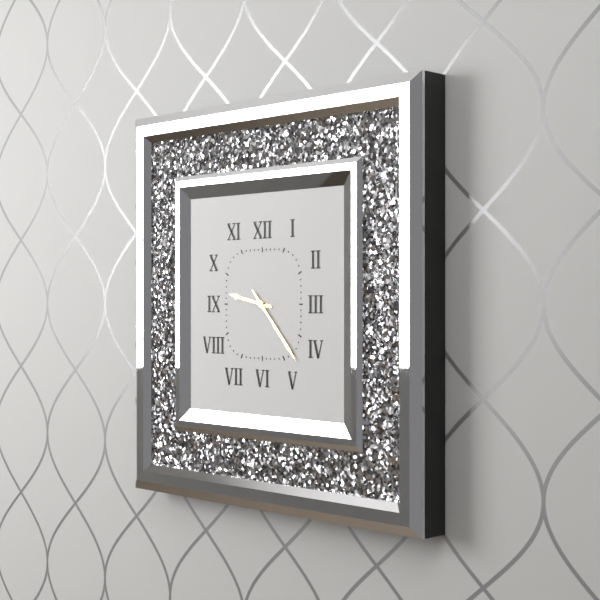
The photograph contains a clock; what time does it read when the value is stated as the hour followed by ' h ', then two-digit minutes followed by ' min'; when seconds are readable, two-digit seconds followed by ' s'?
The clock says 9 h 23 min
